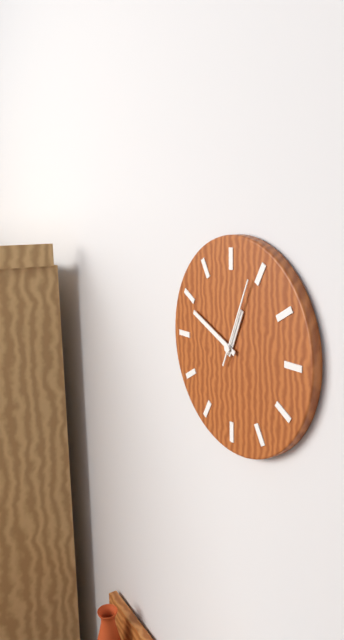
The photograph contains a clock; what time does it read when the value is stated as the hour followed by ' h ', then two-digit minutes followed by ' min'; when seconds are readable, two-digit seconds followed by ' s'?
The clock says 12 h 49 min 04 s
